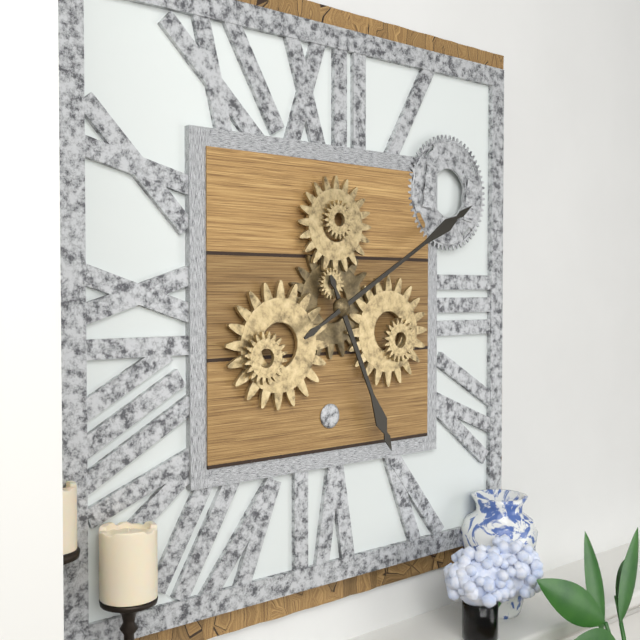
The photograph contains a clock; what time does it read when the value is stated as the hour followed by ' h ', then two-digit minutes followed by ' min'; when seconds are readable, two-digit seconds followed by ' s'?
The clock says 5 h 10 min
